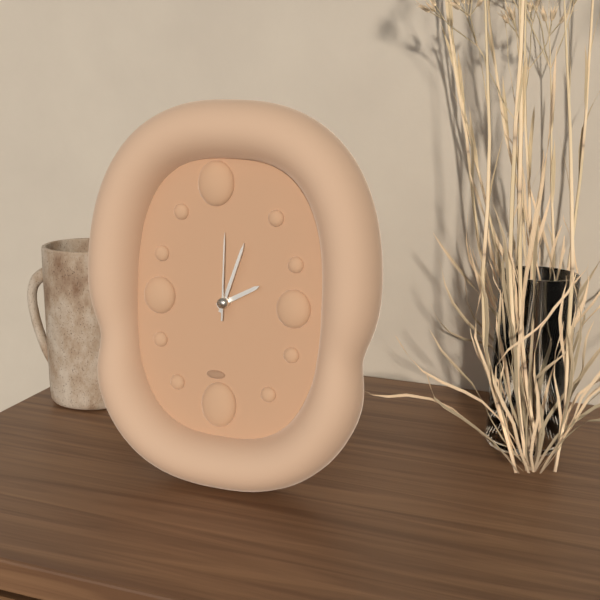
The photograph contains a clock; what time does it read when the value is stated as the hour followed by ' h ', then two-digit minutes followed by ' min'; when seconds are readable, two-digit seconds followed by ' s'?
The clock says 2 h 03 min 00 s
